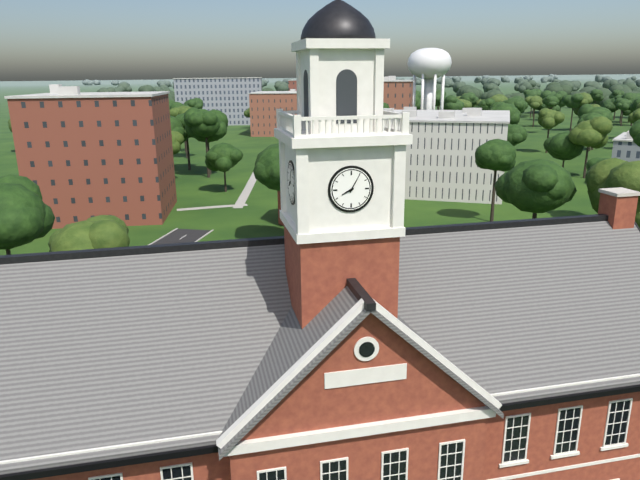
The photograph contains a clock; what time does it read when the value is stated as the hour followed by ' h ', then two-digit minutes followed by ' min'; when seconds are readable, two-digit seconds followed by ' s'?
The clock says 8 h 05 min
